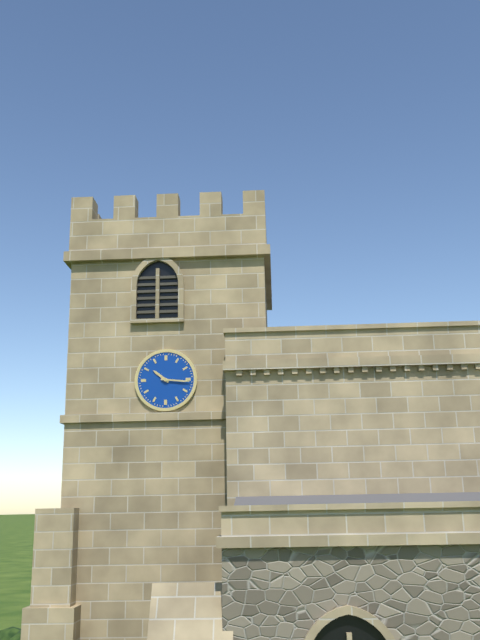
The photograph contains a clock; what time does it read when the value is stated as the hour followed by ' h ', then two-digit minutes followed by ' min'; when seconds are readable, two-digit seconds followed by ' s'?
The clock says 10 h 16 min
